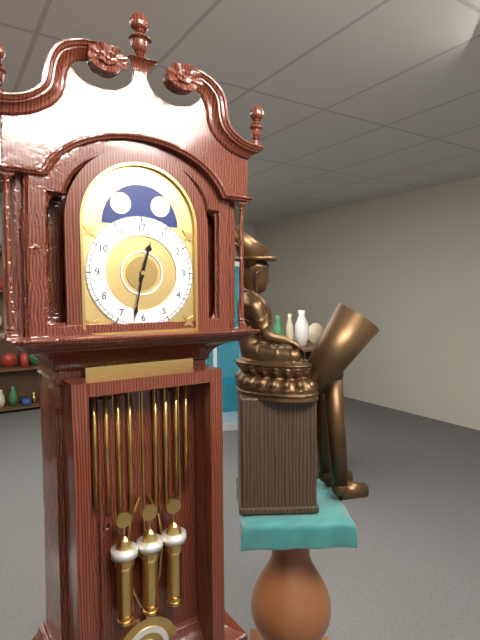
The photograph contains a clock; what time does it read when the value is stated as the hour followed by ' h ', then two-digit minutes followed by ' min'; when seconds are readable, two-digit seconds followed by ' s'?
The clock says 12 h 32 min
